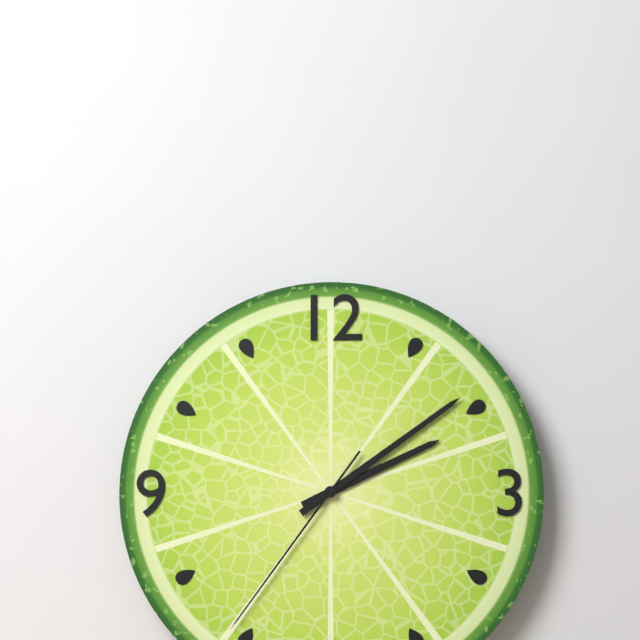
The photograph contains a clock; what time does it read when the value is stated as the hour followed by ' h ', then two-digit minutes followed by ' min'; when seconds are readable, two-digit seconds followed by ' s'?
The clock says 2 h 09 min 36 s
